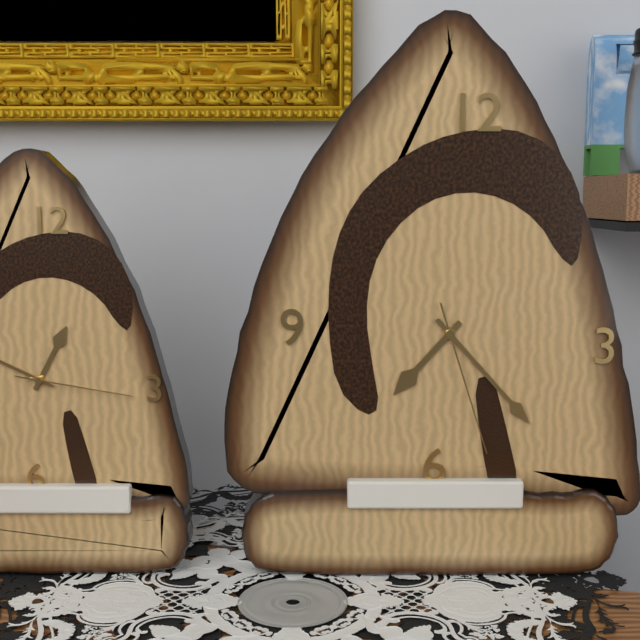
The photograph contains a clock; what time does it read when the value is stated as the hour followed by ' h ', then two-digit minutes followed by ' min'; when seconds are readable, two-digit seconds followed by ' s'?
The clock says 7 h 23 min 27 s
